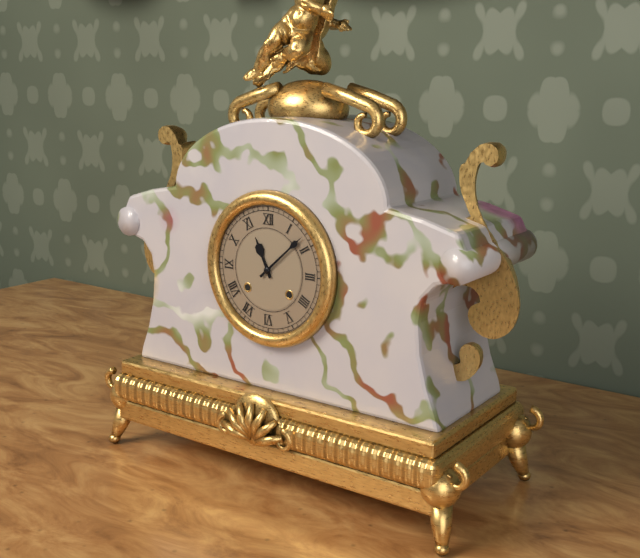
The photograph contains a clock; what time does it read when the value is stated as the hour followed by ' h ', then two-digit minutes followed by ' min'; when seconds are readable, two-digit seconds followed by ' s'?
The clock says 11 h 08 min
